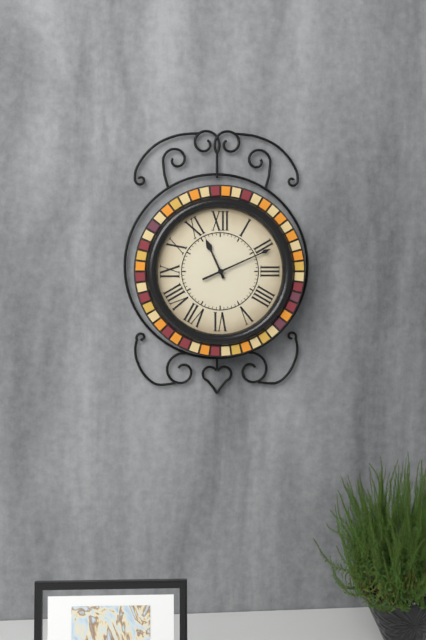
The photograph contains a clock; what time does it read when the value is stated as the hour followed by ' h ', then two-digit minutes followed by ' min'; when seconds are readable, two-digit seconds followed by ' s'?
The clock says 11 h 11 min
